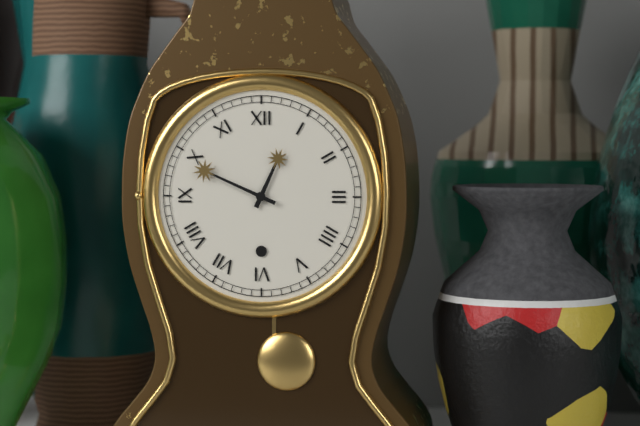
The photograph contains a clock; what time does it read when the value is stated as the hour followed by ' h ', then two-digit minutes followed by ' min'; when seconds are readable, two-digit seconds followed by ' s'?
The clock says 12 h 49 min
